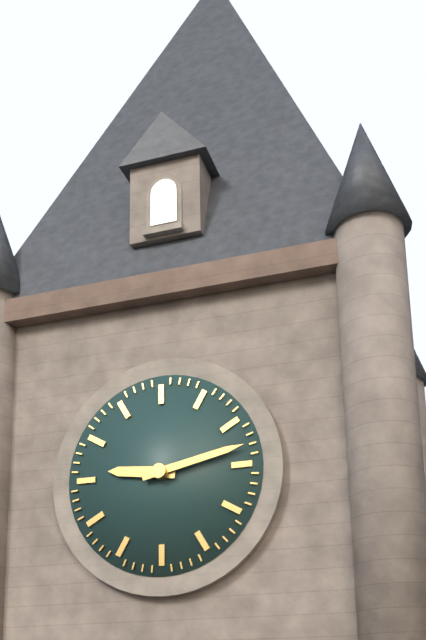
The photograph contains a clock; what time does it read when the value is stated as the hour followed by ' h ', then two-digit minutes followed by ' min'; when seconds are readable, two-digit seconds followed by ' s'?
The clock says 9 h 13 min
